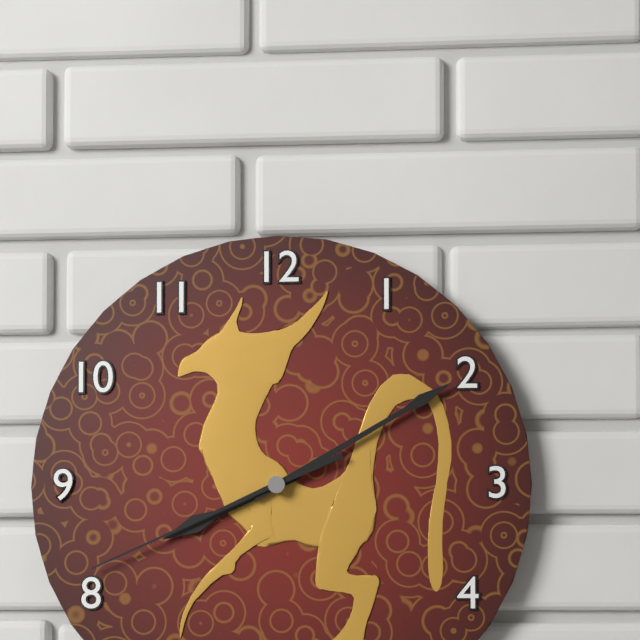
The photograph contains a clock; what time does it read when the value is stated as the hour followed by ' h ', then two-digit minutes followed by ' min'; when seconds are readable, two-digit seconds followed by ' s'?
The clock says 8 h 10 min 41 s
